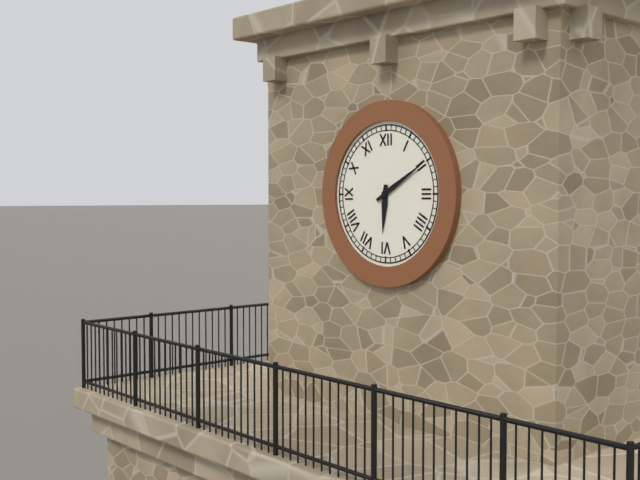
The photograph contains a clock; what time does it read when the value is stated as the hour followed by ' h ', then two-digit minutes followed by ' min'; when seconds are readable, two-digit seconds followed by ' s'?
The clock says 6 h 10 min
